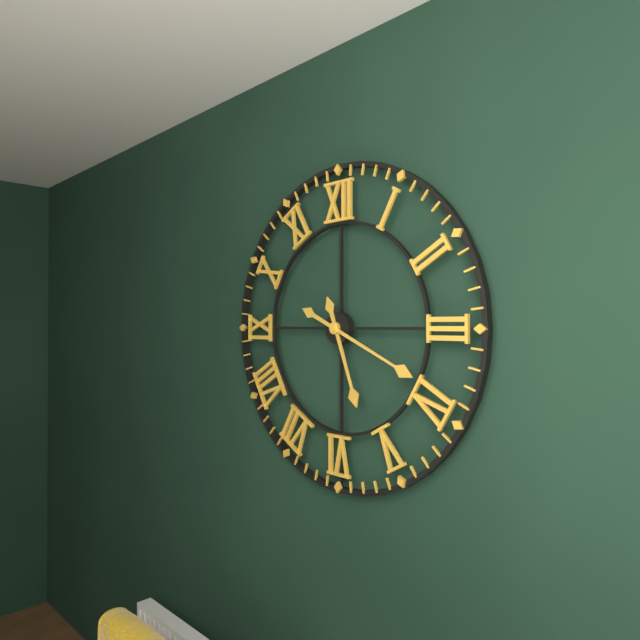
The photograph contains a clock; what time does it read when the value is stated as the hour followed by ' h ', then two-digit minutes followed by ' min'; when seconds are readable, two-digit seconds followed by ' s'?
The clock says 5 h 19 min
